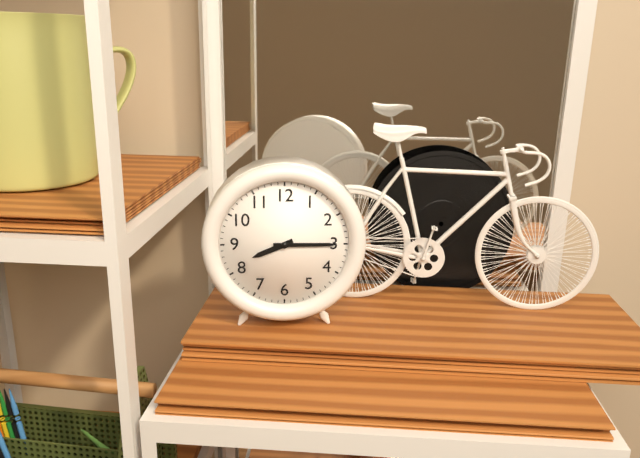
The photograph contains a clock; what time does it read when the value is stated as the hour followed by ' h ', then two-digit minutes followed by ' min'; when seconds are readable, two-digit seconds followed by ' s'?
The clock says 8 h 15 min
